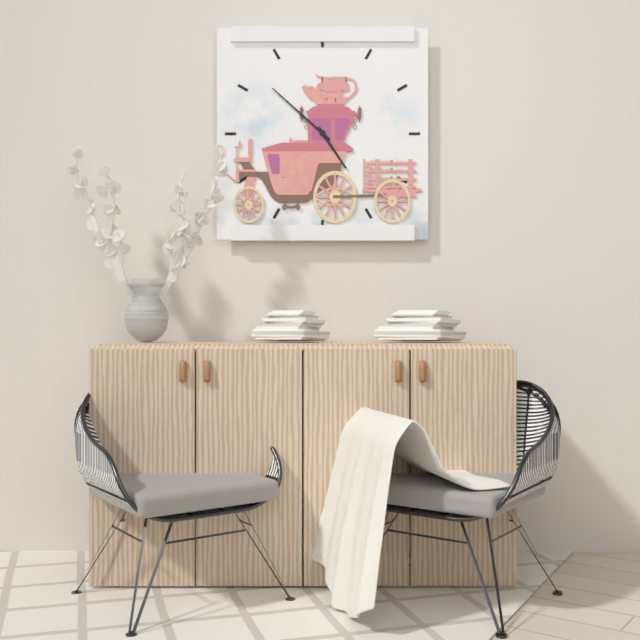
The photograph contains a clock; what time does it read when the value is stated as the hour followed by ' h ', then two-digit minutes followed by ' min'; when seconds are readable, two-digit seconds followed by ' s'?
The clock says 4 h 52 min
